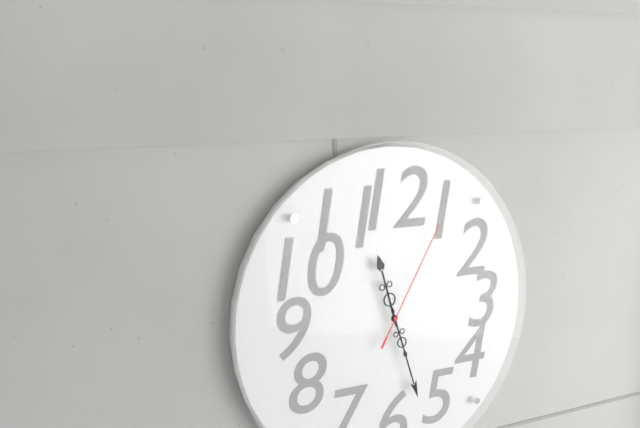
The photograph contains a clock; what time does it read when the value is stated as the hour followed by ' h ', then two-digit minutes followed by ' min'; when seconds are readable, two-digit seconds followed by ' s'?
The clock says 11 h 27 min 05 s
